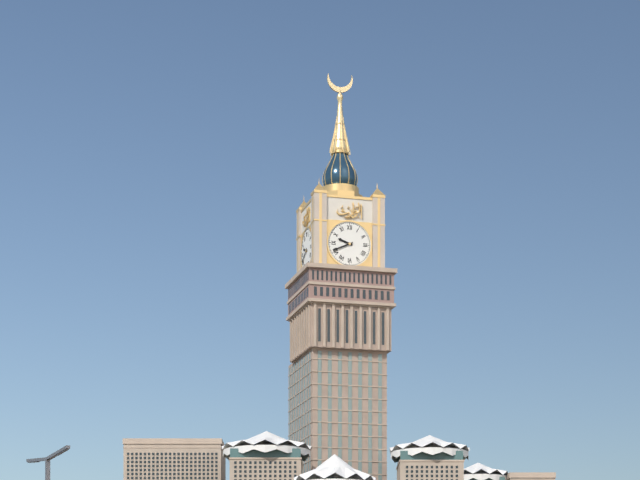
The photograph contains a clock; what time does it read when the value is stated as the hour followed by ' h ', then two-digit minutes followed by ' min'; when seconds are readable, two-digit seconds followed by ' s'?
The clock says 9 h 41 min
